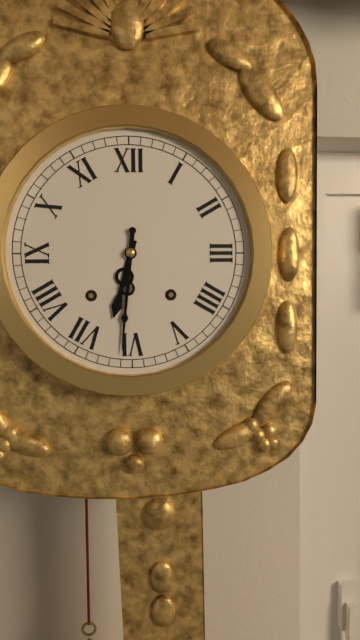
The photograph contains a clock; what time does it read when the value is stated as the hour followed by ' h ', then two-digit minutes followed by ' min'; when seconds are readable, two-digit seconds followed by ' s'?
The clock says 6 h 31 min
